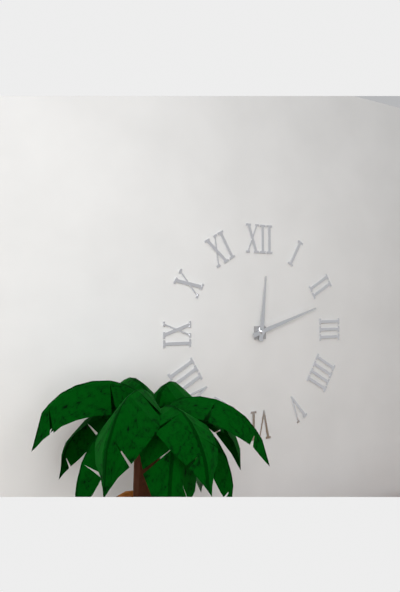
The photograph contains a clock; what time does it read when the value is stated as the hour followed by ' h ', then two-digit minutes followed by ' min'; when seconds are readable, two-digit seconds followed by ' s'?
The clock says 12 h 12 min
